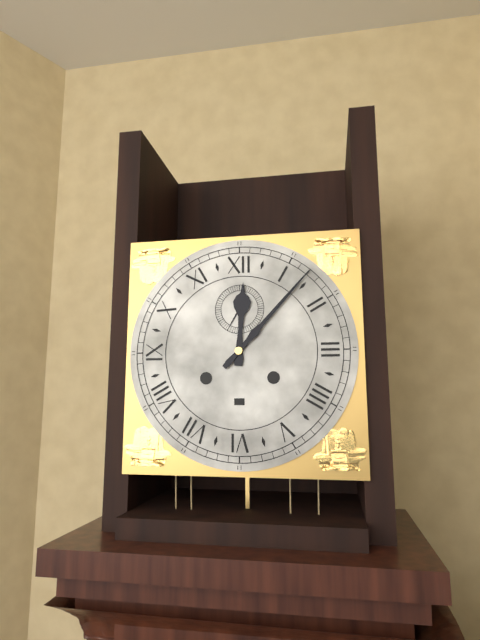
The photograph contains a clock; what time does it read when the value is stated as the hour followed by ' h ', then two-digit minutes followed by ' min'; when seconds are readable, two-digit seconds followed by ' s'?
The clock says 12 h 07 min
